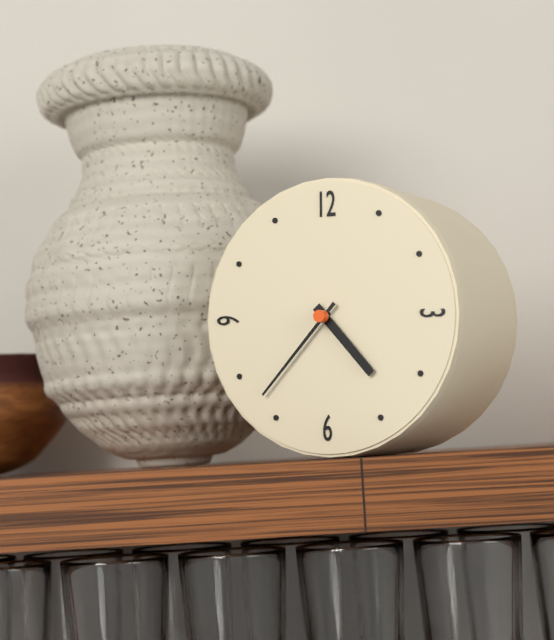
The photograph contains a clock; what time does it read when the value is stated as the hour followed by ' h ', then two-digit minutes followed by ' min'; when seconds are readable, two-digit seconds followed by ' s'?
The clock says 4 h 37 min
